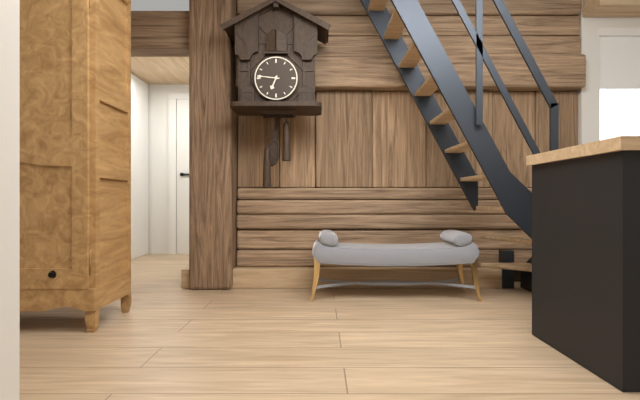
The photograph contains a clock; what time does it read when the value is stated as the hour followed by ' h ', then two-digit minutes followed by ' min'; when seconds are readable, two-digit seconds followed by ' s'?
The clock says 6 h 46 min
